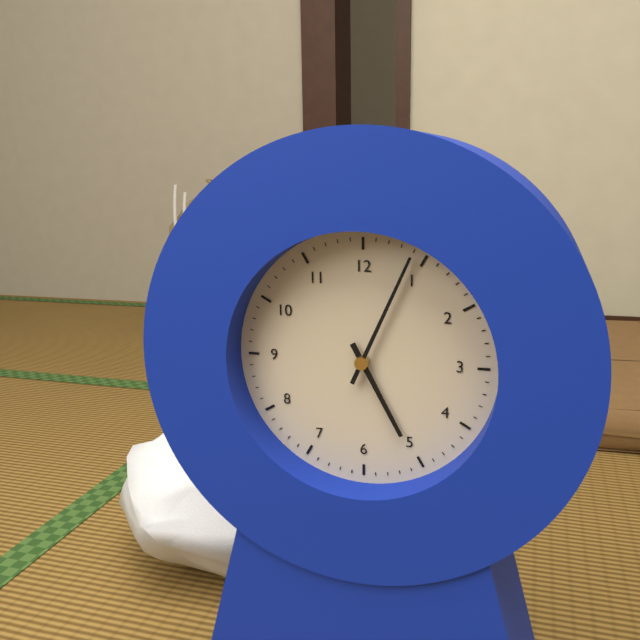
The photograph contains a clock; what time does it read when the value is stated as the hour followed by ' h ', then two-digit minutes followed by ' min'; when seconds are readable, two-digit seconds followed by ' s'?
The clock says 5 h 04 min
